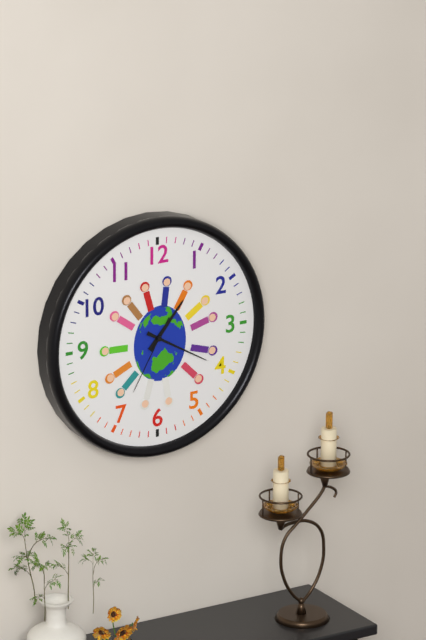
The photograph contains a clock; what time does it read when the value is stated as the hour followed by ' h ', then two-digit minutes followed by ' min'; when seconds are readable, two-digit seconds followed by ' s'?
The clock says 1 h 20 min 35 s
